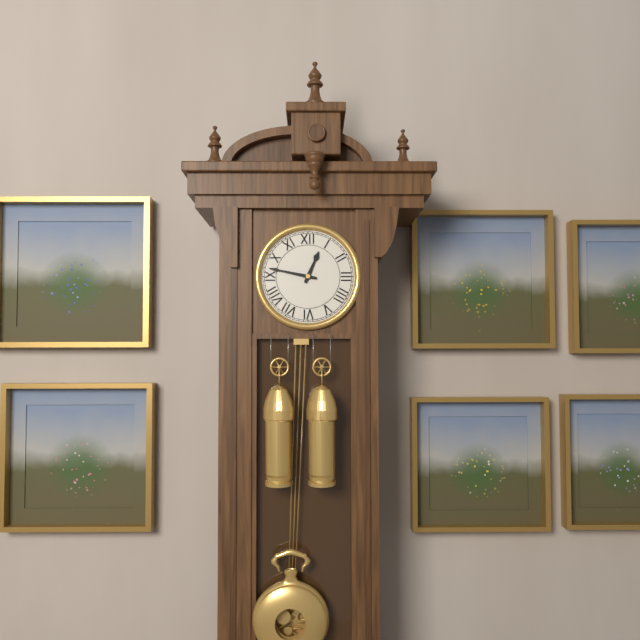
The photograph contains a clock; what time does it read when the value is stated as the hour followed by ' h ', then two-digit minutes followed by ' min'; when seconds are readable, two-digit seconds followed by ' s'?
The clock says 12 h 47 min
